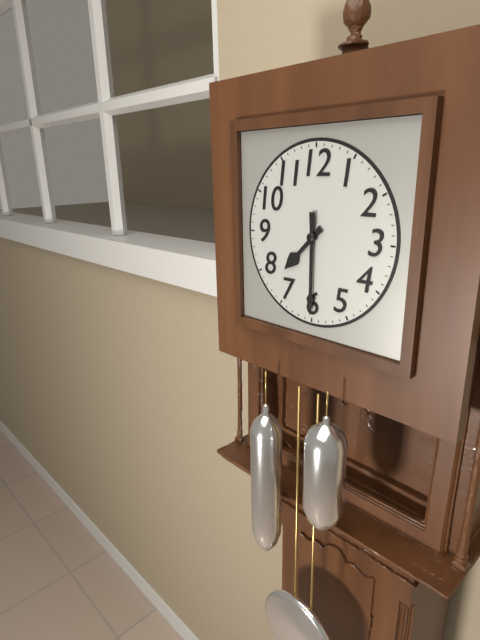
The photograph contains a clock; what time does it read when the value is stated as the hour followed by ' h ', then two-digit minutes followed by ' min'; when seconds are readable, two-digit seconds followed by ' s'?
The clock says 7 h 30 min
